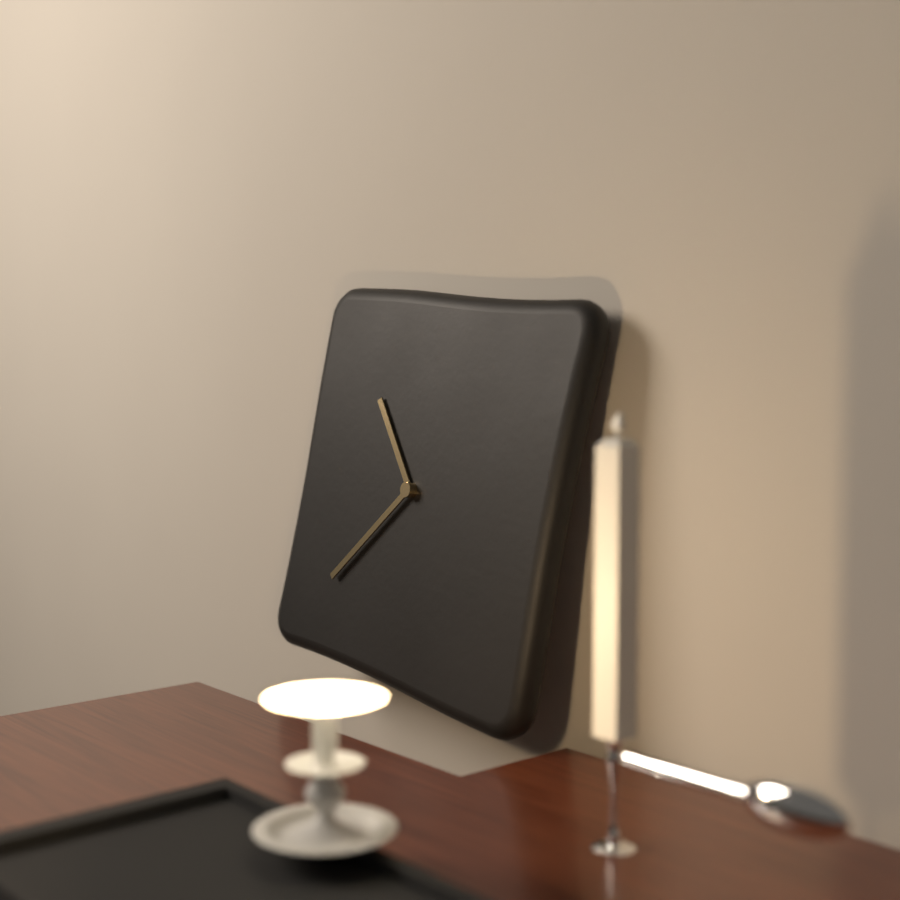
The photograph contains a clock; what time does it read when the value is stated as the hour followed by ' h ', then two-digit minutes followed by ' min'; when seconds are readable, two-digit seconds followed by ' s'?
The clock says 10 h 37 min
